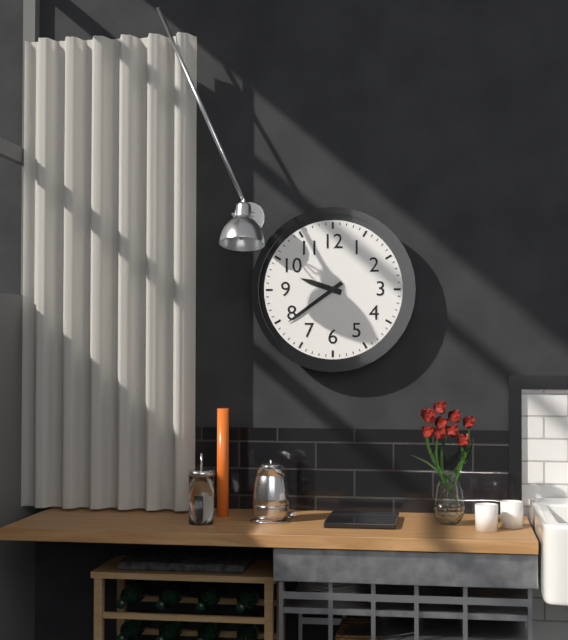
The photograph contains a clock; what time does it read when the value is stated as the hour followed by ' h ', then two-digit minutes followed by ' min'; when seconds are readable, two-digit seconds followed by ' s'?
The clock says 9 h 39 min
